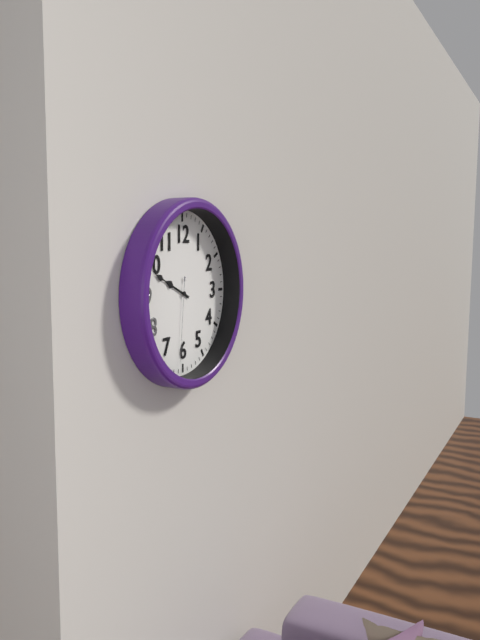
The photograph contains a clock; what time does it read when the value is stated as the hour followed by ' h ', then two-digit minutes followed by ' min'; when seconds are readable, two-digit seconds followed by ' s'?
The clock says 9 h 49 min 31 s
